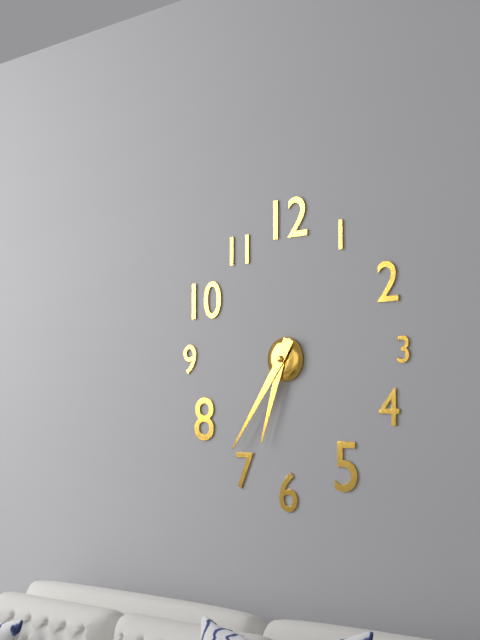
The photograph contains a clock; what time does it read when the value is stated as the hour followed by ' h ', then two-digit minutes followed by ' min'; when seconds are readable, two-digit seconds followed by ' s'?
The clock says 6 h 36 min
